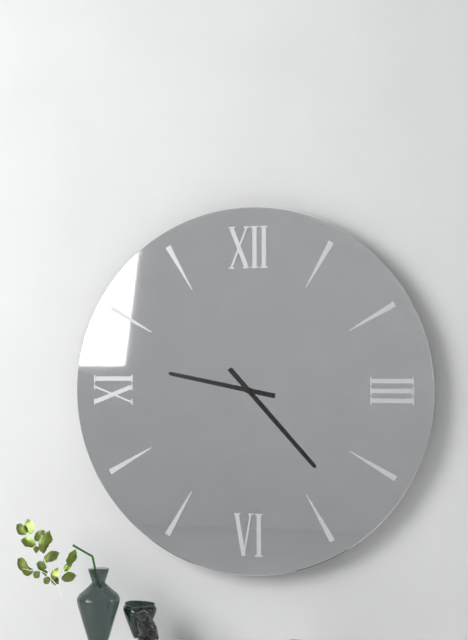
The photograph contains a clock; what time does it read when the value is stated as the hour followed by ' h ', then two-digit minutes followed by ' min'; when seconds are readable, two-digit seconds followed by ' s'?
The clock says 9 h 23 min
